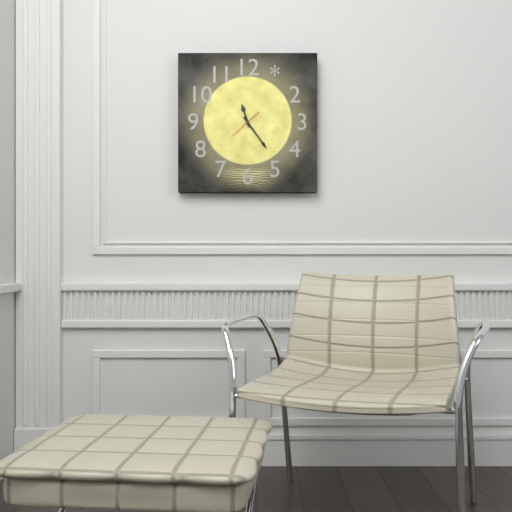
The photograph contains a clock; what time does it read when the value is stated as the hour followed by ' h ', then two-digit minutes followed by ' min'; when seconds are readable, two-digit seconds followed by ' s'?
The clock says 11 h 24 min
